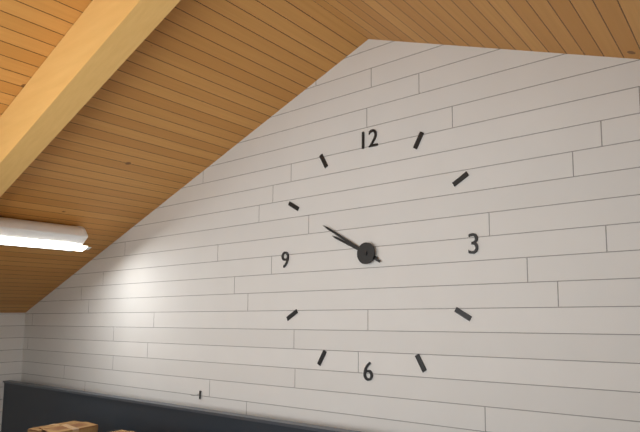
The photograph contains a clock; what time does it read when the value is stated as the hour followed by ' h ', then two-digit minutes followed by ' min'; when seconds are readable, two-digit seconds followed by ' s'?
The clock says 9 h 50 min
